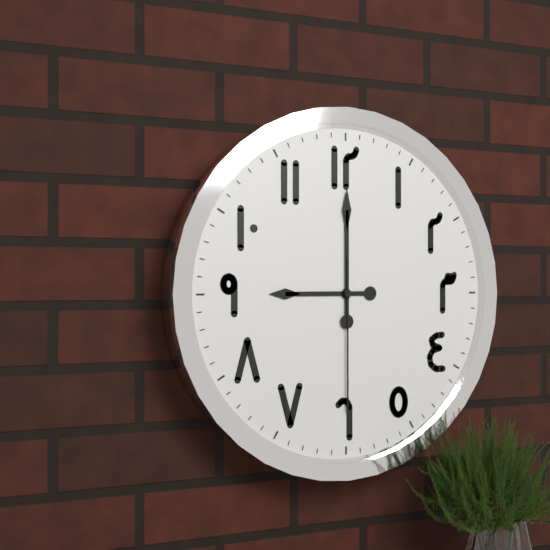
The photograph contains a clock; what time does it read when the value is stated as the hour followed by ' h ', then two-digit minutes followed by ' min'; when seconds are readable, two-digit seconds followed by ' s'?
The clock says 9 h 00 min 30 s
